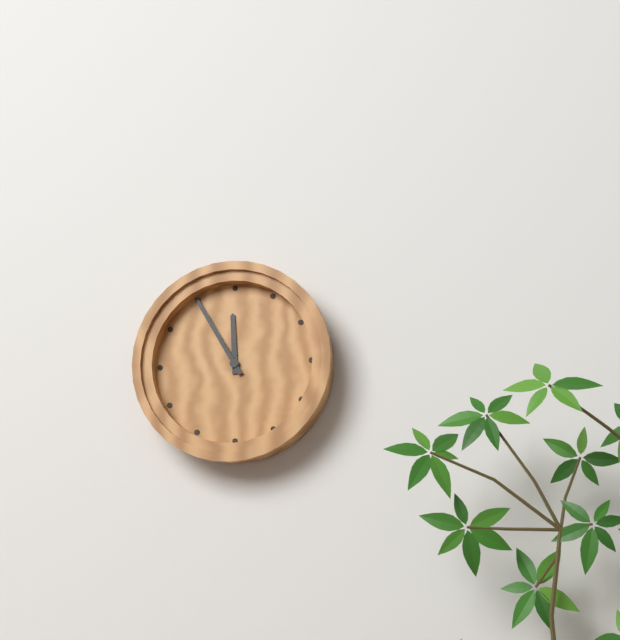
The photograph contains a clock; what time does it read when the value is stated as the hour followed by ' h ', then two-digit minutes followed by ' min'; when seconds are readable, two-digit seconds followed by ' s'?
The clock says 11 h 55 min
